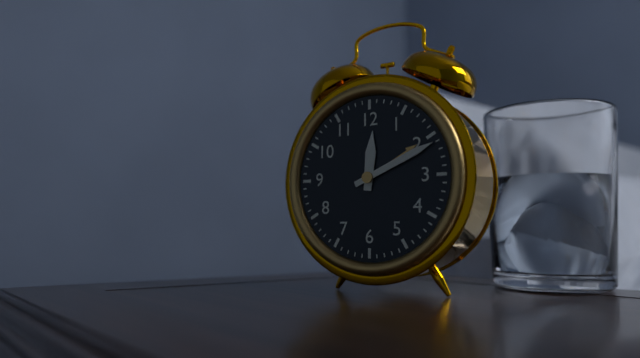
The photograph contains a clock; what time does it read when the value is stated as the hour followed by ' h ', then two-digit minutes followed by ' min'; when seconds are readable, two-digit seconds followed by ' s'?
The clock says 12 h 11 min
